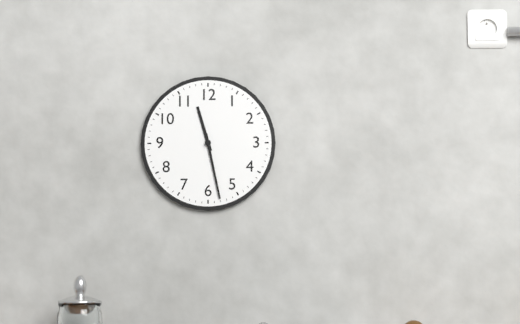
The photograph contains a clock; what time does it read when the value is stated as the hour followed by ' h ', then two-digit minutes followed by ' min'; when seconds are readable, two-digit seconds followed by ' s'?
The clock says 11 h 28 min
